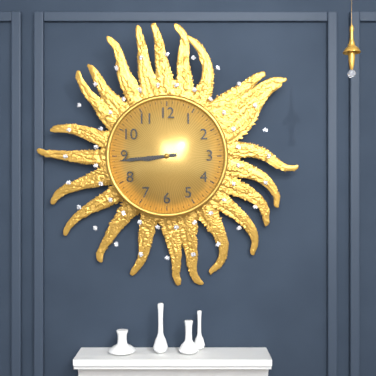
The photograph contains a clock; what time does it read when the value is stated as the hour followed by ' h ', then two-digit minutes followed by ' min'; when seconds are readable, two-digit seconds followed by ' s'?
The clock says 8 h 44 min
